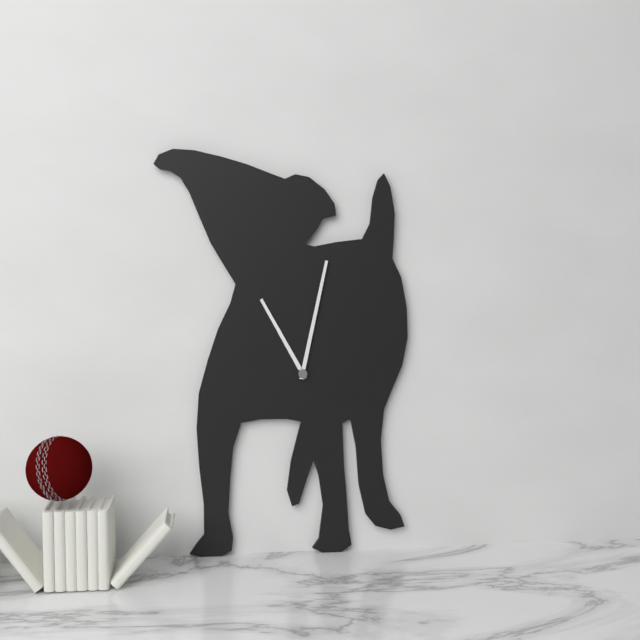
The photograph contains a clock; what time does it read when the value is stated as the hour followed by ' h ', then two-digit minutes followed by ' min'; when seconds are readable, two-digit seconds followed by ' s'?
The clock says 11 h 02 min
